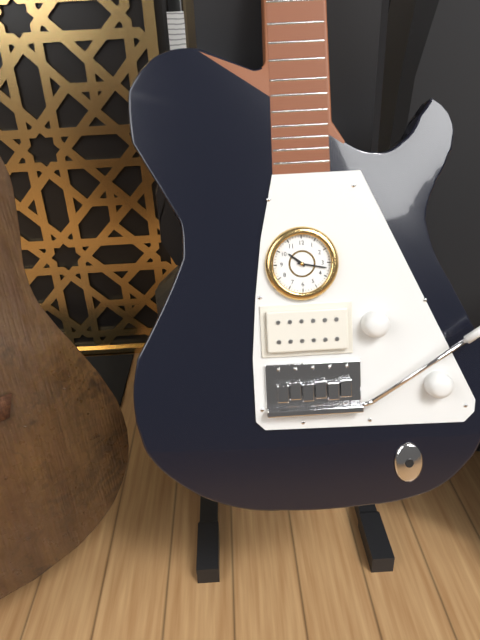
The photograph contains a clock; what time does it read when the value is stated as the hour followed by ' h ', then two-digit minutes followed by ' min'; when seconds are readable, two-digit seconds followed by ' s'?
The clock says 10 h 17 min
